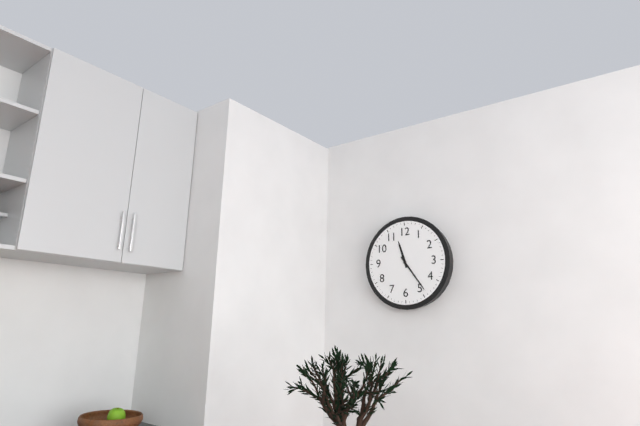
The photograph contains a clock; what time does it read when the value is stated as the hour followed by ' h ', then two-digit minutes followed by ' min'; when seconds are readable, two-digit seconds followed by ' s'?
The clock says 11 h 24 min
